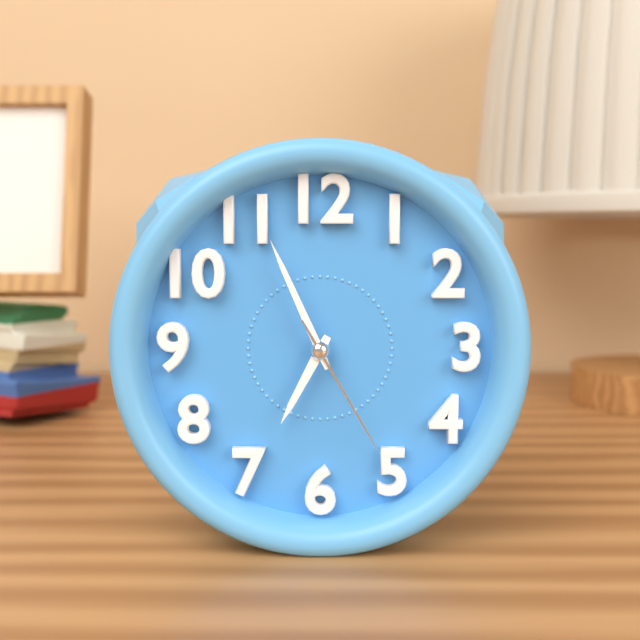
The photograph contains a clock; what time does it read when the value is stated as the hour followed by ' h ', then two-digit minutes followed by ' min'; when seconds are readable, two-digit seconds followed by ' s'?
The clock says 6 h 56 min 25 s
